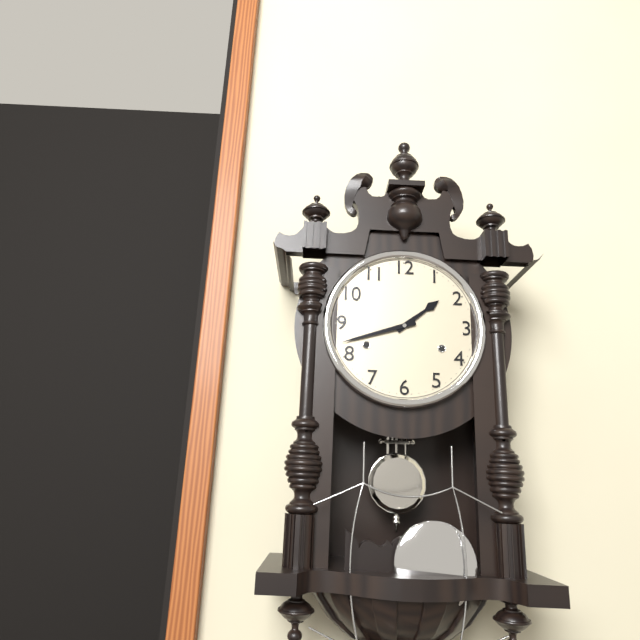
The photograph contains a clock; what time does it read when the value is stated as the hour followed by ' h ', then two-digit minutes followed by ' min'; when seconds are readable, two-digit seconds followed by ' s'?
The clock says 1 h 42 min
